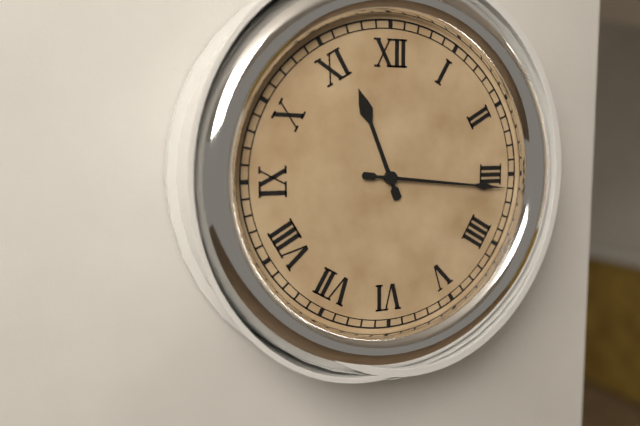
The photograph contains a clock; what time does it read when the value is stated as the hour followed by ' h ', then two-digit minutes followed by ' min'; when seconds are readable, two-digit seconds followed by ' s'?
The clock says 11 h 16 min
